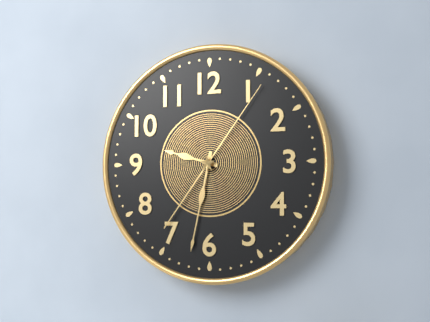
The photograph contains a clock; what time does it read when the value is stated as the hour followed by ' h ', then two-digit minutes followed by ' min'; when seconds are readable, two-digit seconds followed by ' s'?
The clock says 9 h 32 min 06 s
